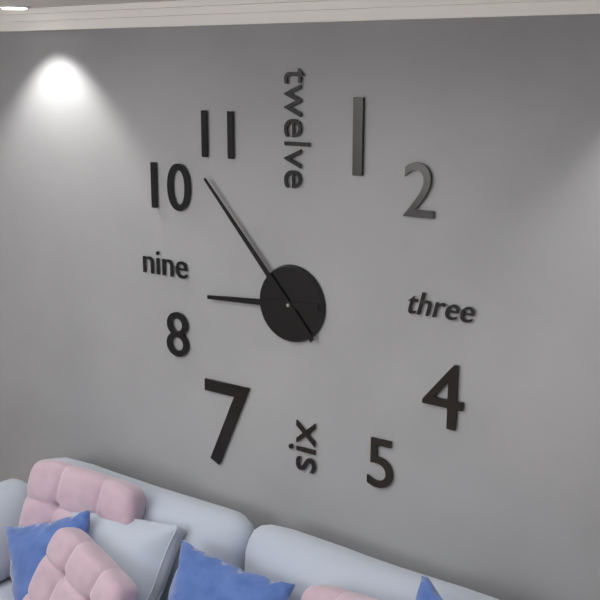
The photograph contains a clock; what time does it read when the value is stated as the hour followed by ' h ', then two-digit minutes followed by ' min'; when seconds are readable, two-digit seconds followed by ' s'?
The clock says 8 h 53 min
